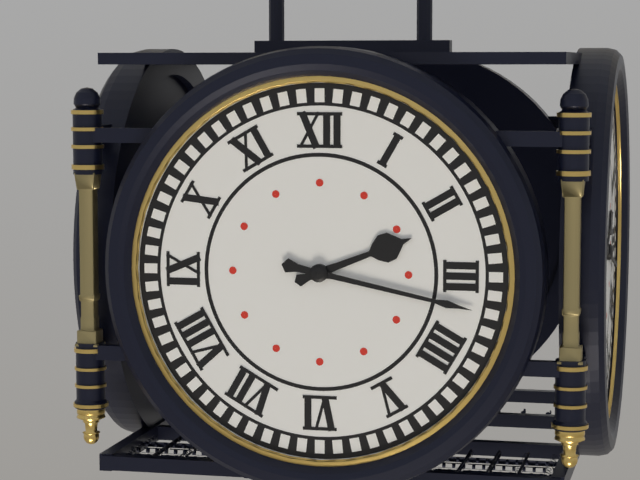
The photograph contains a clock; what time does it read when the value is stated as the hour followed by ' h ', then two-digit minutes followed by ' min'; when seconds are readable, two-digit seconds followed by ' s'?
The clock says 2 h 17 min
